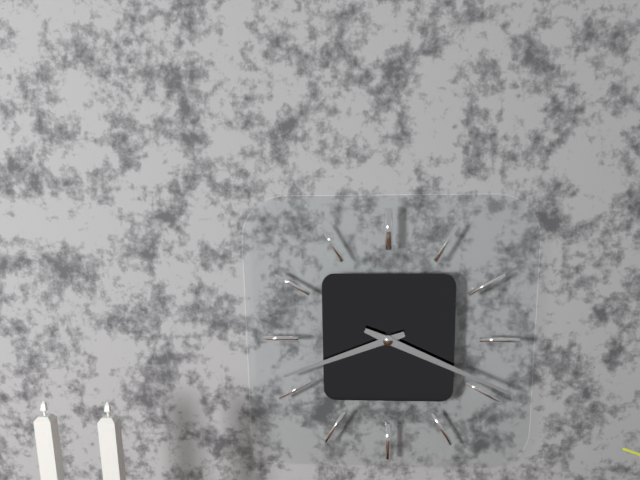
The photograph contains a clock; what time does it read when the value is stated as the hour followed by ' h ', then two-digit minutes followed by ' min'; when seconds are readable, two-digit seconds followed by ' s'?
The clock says 8 h 19 min
